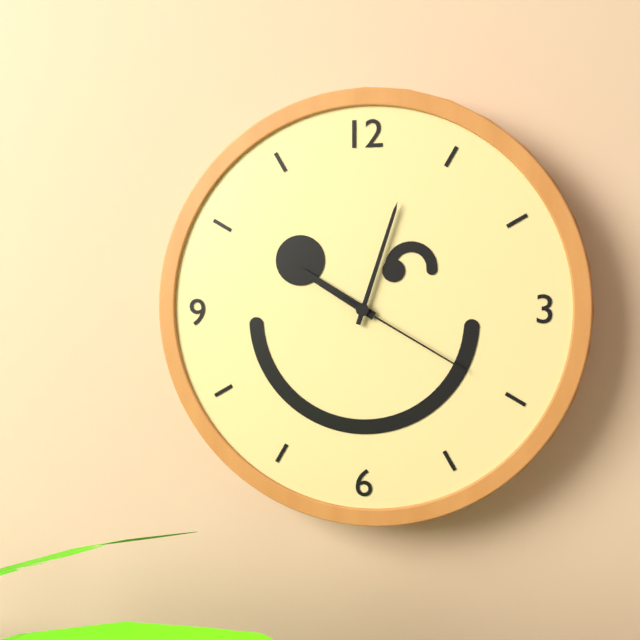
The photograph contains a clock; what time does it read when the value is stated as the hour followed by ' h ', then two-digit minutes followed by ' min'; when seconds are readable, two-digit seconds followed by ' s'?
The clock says 10 h 03 min 20 s
